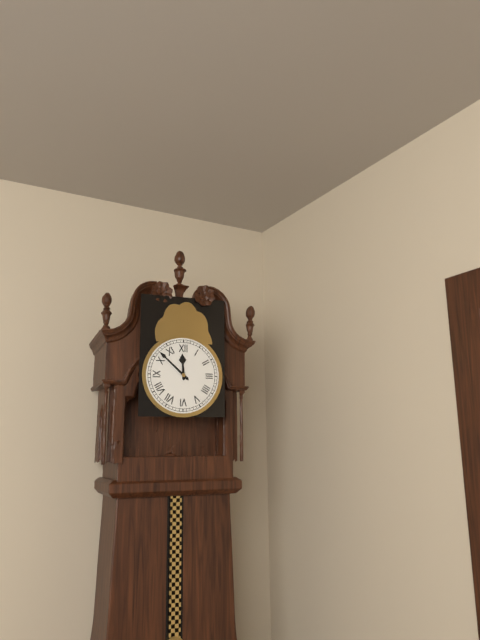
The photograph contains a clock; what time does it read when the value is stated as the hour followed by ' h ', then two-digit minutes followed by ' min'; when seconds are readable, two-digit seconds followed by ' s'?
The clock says 11 h 52 min
